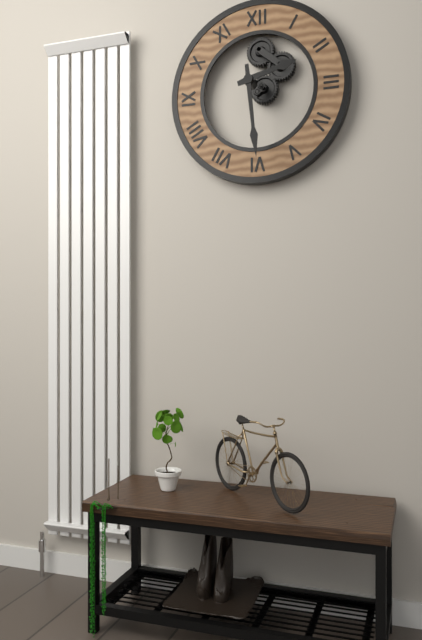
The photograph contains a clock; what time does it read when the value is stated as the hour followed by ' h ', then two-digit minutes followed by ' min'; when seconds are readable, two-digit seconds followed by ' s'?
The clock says 2 h 29 min
